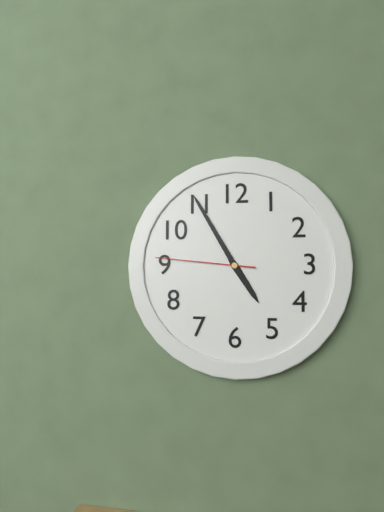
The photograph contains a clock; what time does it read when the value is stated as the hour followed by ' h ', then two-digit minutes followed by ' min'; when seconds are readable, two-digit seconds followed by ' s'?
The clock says 4 h 55 min 46 s
